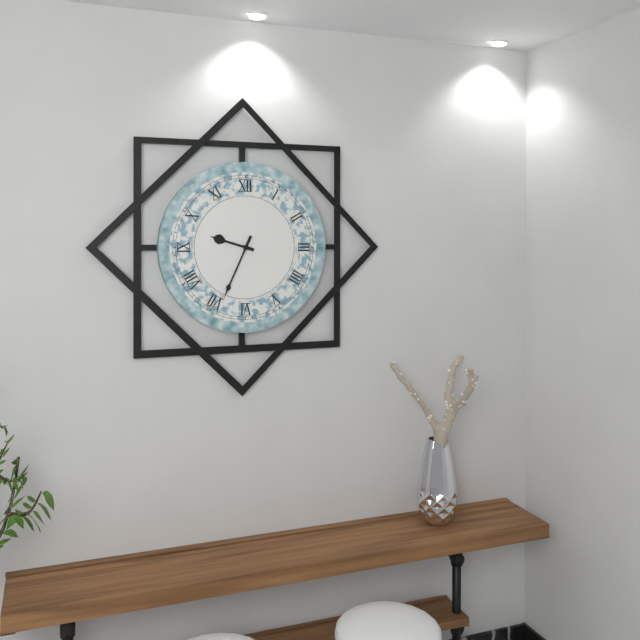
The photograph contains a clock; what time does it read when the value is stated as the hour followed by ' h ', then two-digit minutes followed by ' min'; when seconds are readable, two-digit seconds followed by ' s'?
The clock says 9 h 34 min
